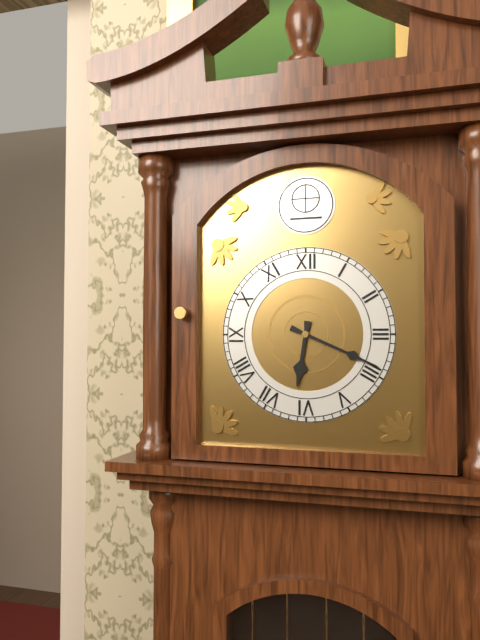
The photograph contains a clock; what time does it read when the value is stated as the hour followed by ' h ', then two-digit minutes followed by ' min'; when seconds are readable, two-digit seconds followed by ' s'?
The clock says 6 h 19 min
